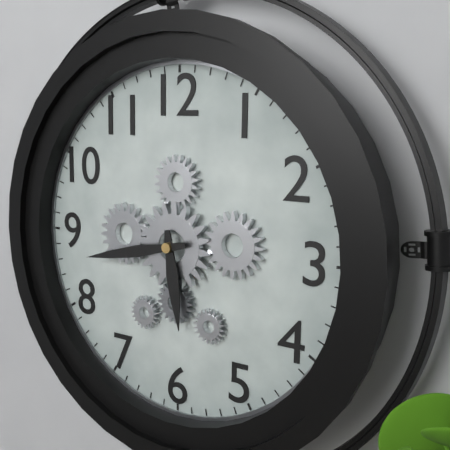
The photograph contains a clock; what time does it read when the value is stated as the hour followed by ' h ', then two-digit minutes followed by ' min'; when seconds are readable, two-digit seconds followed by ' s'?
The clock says 5 h 43 min
